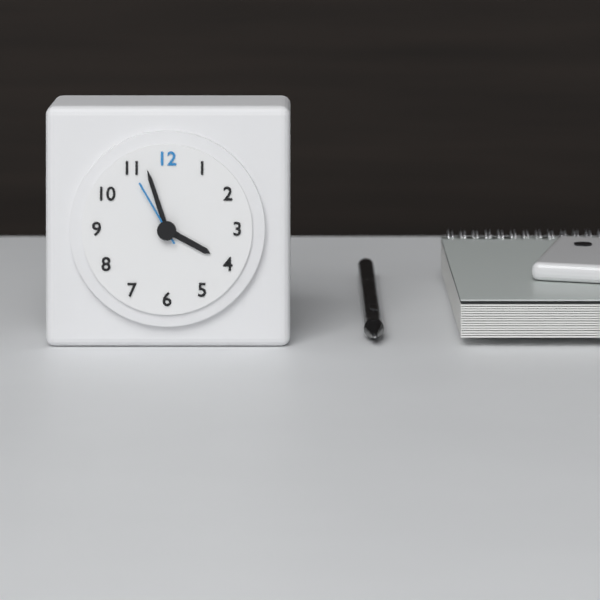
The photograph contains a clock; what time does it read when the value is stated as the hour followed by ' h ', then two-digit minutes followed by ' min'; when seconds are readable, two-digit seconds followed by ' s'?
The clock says 3 h 57 min 55 s
